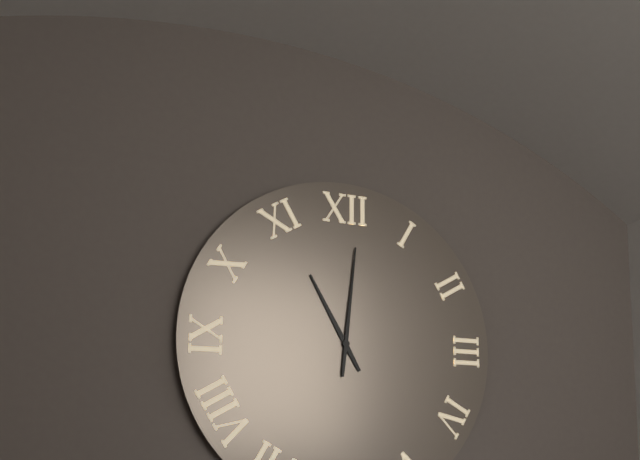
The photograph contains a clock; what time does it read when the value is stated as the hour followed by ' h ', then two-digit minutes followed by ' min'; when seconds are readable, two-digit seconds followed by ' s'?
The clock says 11 h 01 min
